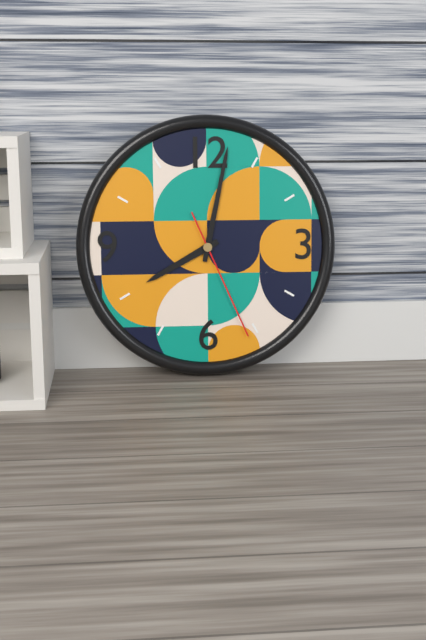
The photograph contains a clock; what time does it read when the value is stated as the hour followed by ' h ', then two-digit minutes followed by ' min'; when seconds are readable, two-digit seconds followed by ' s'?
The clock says 8 h 02 min 26 s
